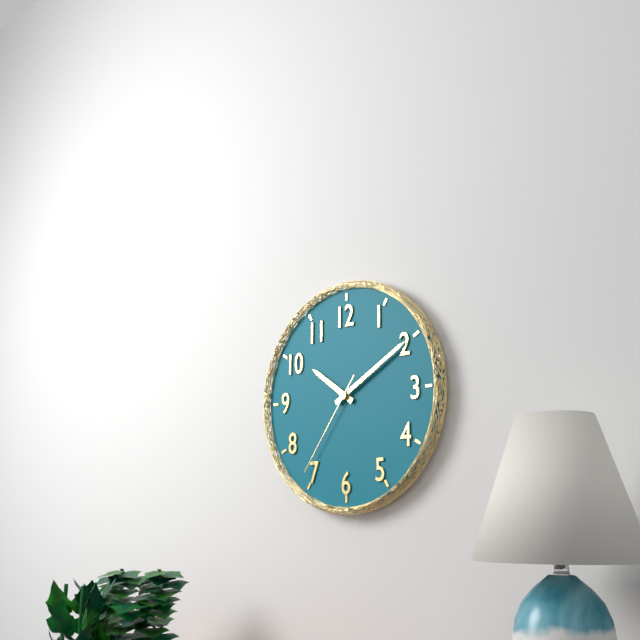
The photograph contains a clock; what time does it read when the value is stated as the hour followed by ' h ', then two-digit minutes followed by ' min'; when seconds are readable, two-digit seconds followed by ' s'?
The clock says 10 h 10 min 36 s
